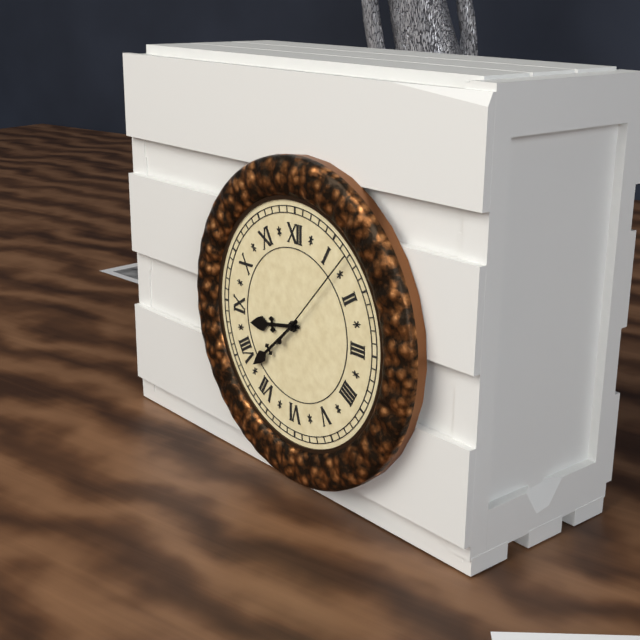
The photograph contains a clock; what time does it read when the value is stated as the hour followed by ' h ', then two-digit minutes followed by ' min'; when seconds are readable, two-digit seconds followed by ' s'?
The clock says 8 h 38 min 07 s
